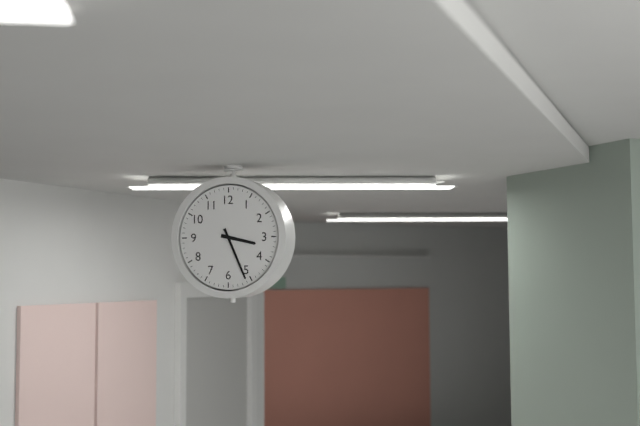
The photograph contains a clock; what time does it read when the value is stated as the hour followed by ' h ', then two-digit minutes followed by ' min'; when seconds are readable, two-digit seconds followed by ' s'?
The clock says 3 h 26 min
